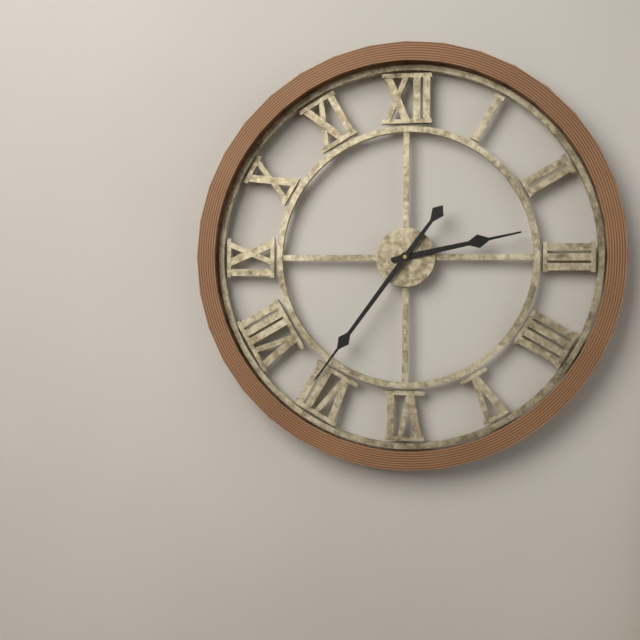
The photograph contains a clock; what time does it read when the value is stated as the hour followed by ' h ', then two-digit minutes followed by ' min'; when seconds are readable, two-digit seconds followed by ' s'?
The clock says 2 h 36 min
